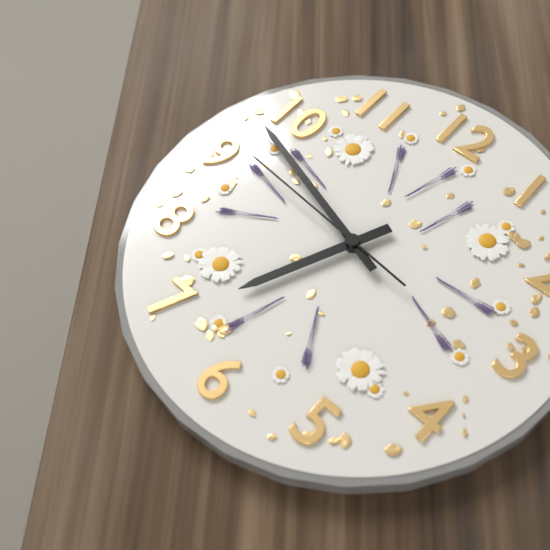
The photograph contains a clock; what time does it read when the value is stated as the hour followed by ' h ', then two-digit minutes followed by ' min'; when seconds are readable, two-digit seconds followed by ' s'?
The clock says 6 h 48 min 46 s
